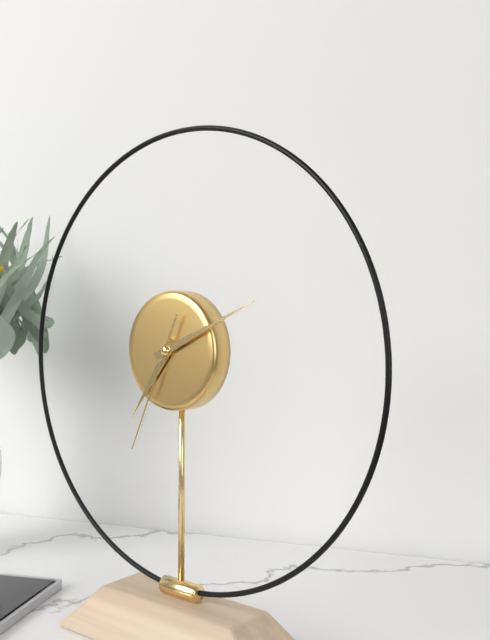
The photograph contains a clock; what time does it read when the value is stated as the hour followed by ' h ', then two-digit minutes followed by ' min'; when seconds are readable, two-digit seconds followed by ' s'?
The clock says 7 h 11 min 34 s
